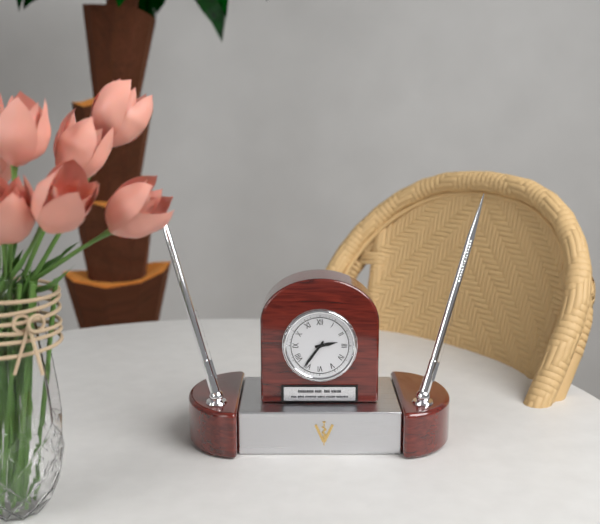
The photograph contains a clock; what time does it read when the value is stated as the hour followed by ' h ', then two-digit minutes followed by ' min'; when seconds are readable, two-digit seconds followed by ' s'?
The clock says 2 h 36 min
